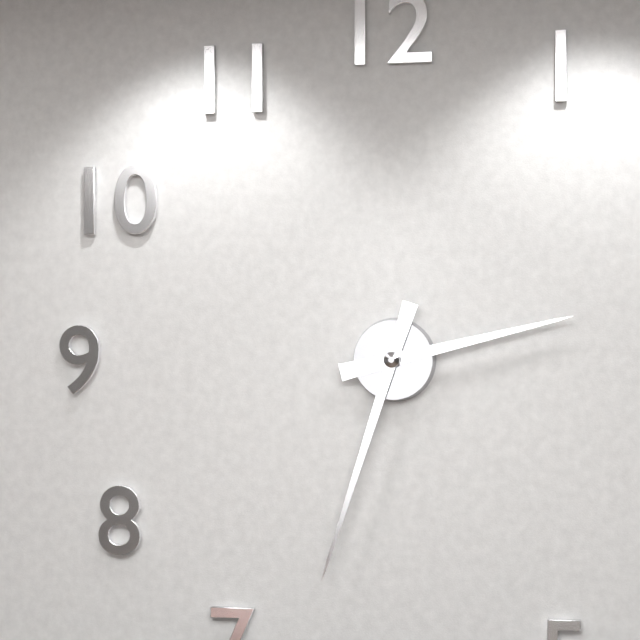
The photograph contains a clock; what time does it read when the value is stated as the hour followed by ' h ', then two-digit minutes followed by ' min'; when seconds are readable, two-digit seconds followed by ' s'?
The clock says 2 h 33 min
